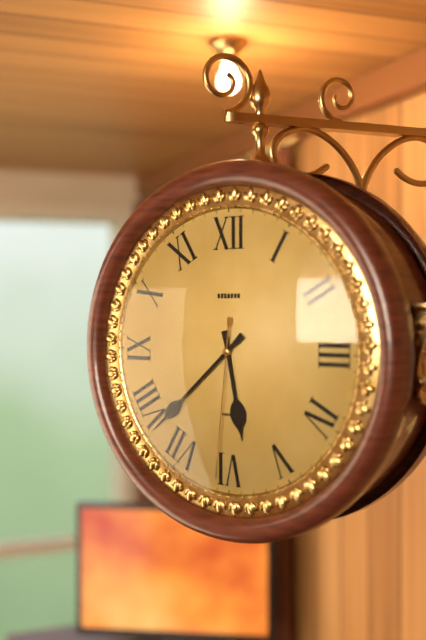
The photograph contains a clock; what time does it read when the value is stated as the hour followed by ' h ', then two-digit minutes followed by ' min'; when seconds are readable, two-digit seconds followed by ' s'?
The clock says 5 h 38 min 31 s
